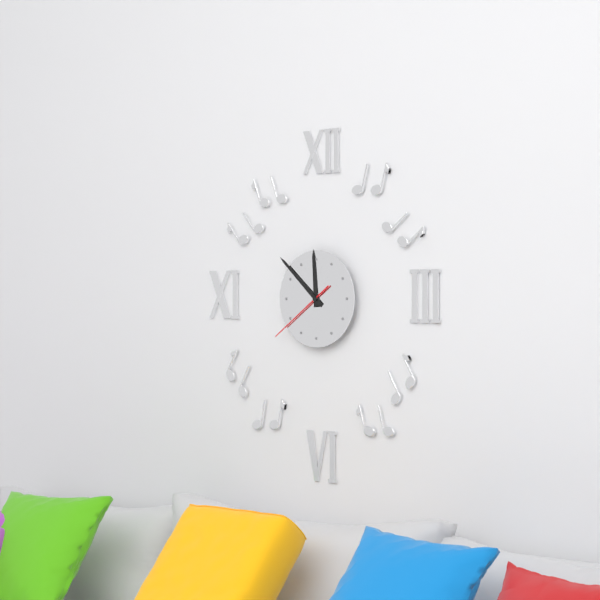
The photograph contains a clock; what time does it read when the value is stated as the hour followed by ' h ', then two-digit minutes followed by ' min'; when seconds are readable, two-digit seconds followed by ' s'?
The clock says 11 h 52 min 39 s
